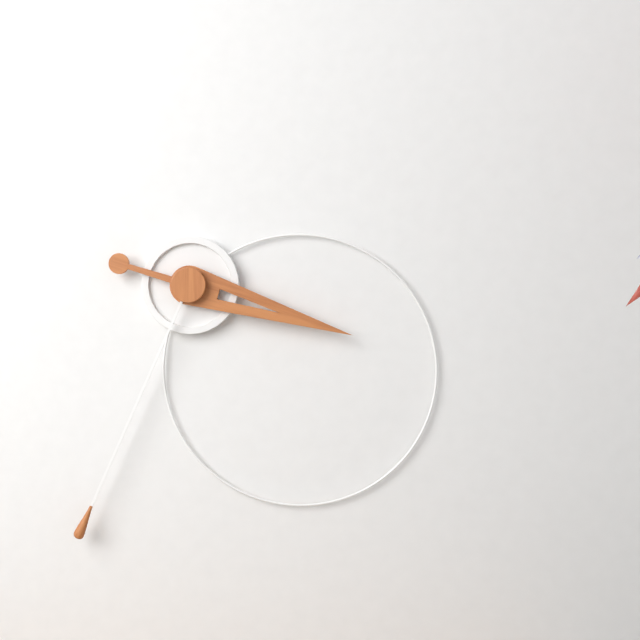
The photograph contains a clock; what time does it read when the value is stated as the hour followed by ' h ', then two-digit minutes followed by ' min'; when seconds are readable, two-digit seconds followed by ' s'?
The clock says 3 h 34 min
